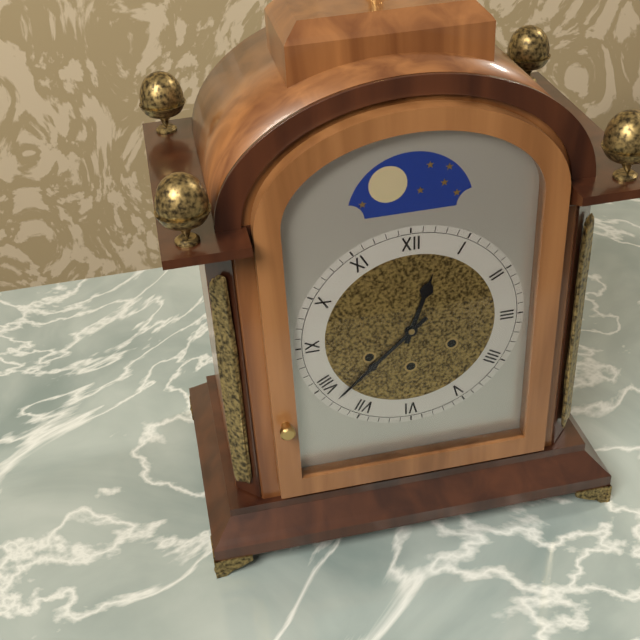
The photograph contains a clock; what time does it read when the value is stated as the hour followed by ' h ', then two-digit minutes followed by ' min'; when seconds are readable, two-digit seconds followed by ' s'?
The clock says 12 h 38 min
